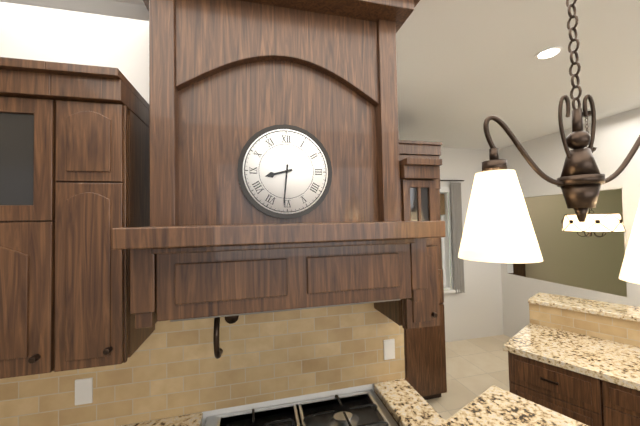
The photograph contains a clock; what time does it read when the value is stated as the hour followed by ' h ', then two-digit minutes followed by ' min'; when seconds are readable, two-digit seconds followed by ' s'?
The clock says 8 h 31 min
